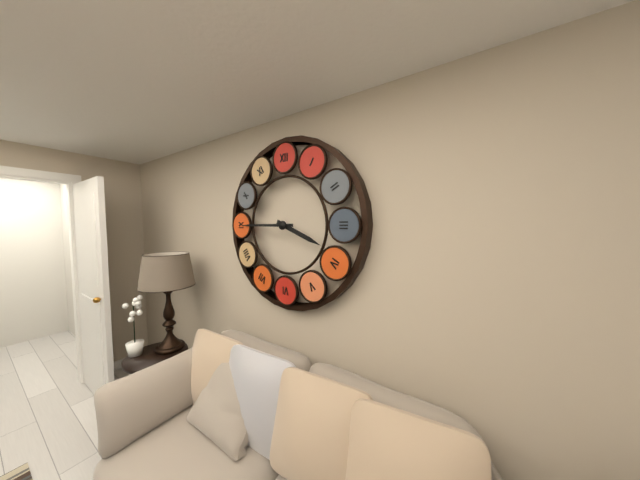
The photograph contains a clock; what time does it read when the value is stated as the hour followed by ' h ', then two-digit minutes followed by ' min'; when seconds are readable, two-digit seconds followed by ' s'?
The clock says 3 h 45 min
